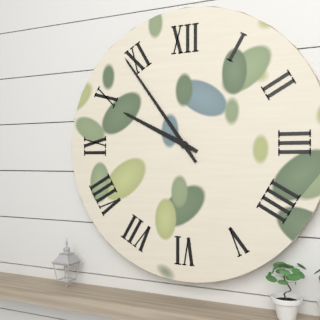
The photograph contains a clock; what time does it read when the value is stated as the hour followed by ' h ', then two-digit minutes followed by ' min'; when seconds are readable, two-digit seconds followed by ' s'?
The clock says 9 h 54 min
